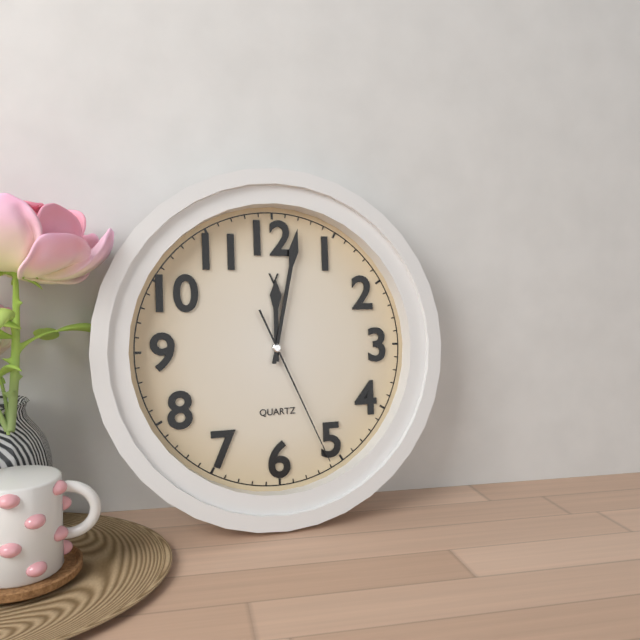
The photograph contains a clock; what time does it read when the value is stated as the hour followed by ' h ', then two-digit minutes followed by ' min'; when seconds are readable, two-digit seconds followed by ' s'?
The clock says 12 h 02 min 26 s
